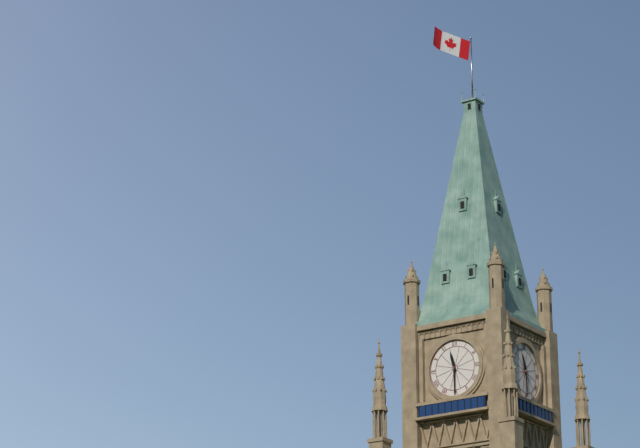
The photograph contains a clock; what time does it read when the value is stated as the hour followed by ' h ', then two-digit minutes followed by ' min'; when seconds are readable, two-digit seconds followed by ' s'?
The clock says 11 h 30 min
